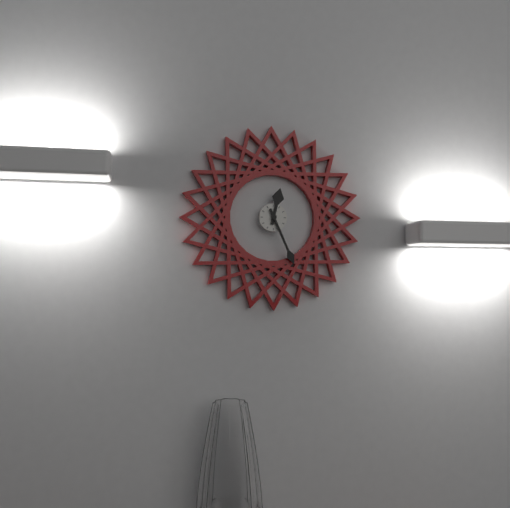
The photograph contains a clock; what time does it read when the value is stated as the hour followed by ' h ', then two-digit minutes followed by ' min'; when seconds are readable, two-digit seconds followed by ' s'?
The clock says 12 h 26 min
